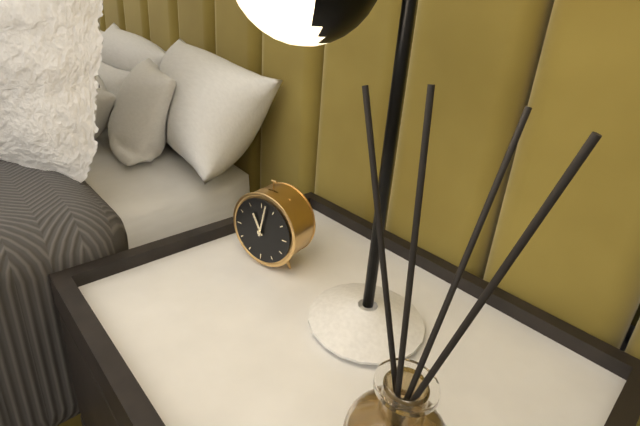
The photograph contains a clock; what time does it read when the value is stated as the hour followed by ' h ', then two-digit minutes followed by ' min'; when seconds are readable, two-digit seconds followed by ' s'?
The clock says 11 h 02 min
